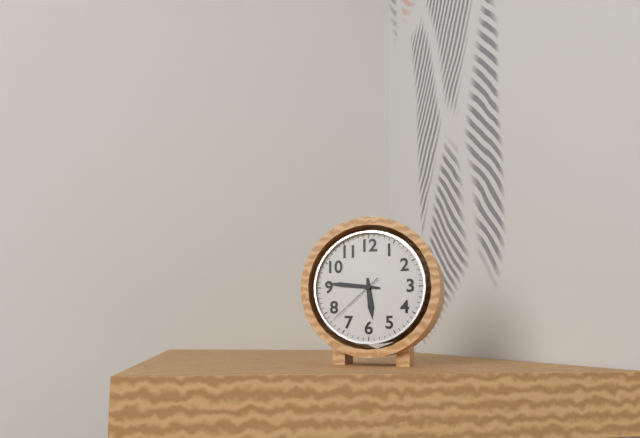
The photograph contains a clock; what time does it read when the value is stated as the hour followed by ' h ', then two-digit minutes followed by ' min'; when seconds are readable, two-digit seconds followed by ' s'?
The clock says 5 h 46 min 38 s
